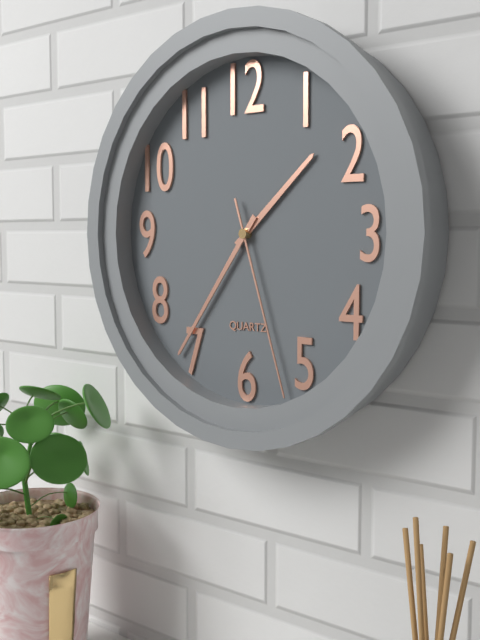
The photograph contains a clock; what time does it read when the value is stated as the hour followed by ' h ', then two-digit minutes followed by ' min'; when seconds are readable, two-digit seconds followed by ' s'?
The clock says 1 h 36 min 27 s
